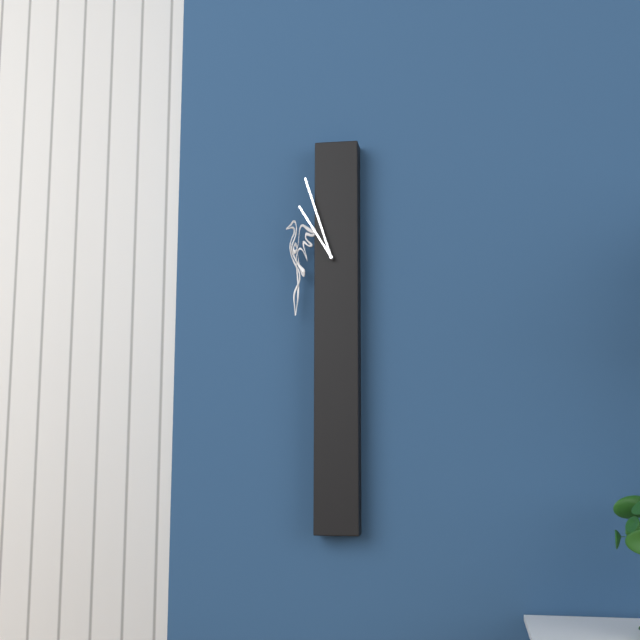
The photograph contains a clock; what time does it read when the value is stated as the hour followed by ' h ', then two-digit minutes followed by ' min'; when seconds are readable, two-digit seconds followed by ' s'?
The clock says 10 h 57 min
